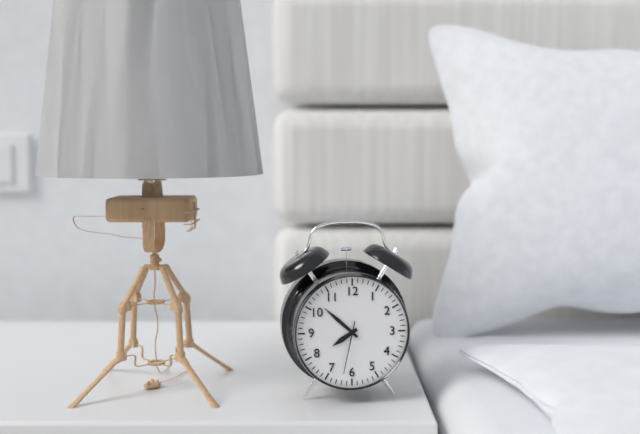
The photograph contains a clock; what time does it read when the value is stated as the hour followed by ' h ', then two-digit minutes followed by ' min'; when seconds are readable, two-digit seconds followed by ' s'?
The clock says 7 h 52 min 32 s
